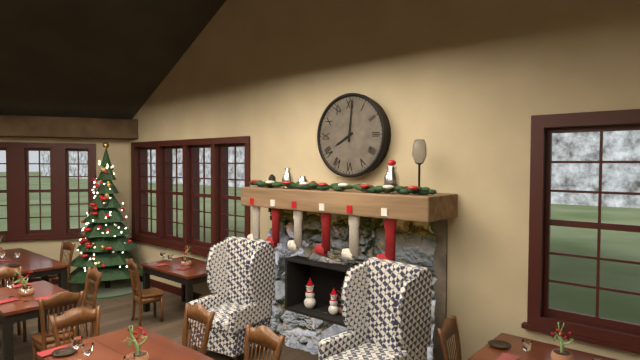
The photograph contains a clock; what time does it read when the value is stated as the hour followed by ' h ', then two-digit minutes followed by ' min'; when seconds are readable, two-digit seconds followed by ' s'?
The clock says 8 h 01 min
